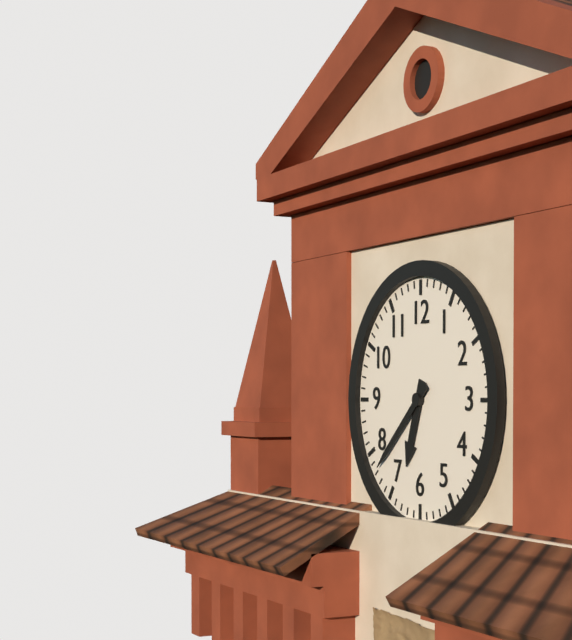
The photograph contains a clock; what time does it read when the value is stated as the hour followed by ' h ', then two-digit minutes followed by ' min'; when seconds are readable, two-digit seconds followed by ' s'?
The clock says 6 h 38 min
